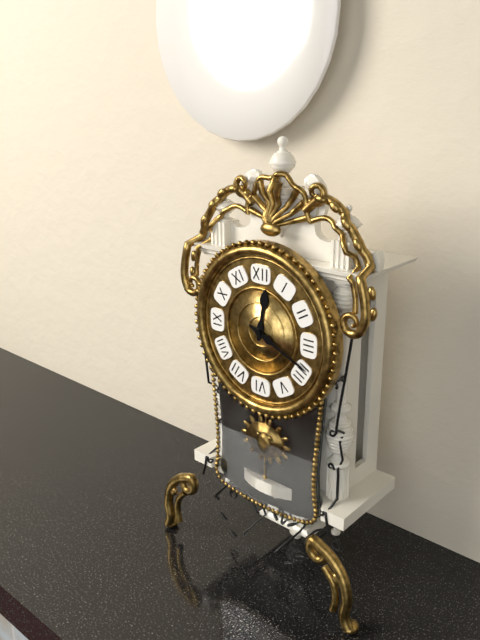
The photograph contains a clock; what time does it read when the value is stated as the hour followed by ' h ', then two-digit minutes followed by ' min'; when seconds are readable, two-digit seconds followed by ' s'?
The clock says 12 h 19 min
